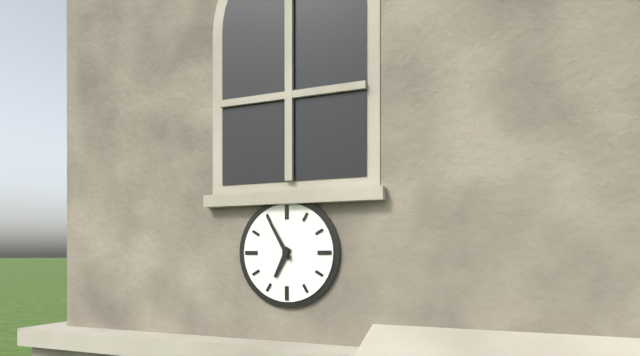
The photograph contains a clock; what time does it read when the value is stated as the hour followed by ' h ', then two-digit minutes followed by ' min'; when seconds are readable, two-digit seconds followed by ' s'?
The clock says 6 h 55 min
